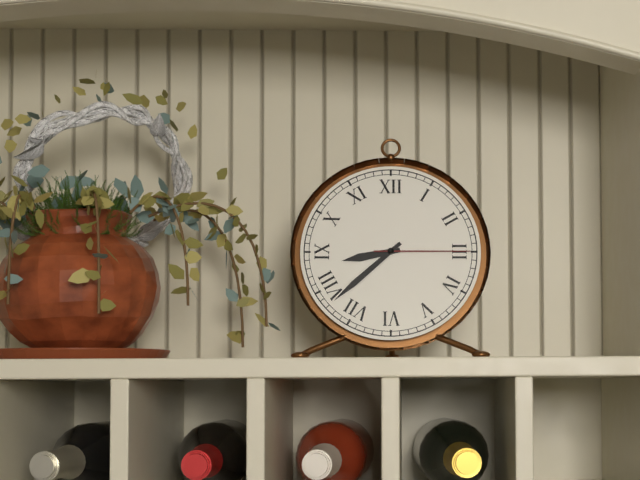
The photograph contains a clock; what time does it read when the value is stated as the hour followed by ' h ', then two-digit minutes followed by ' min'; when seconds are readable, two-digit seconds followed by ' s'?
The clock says 8 h 38 min 15 s
